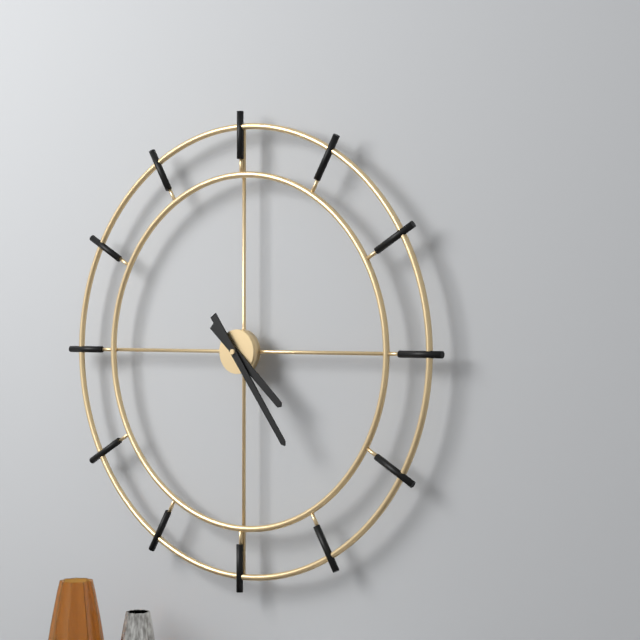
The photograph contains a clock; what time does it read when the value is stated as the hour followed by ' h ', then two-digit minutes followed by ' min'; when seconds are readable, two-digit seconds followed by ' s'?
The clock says 4 h 24 min
